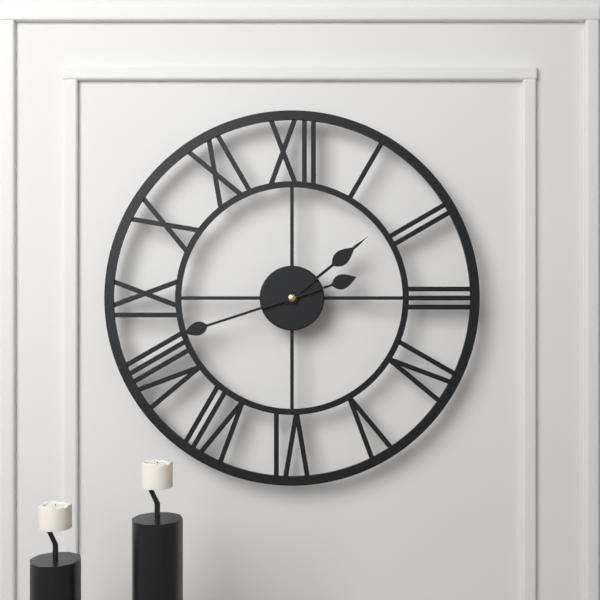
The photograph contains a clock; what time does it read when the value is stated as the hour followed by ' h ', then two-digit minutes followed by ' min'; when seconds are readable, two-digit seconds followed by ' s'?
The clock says 1 h 42 min
